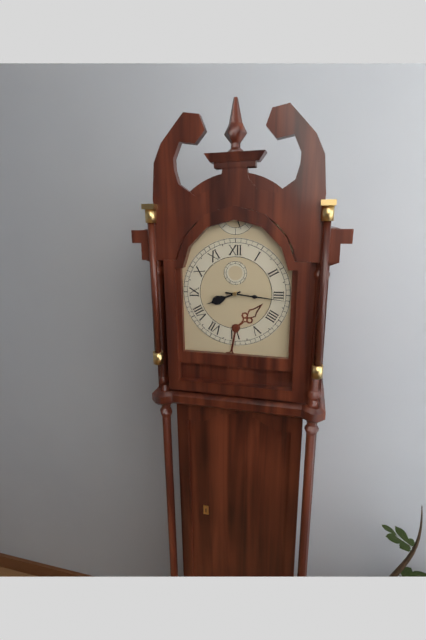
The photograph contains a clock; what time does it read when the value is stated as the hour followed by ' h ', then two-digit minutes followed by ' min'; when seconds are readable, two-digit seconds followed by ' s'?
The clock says 8 h 16 min
